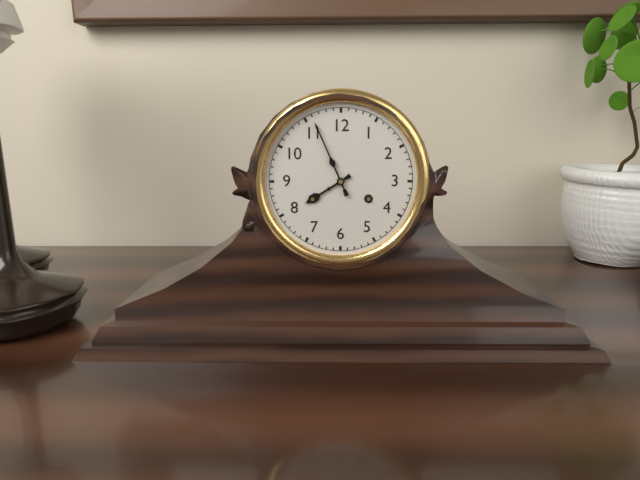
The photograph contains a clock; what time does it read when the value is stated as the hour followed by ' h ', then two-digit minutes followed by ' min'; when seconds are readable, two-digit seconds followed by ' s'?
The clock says 7 h 56 min
